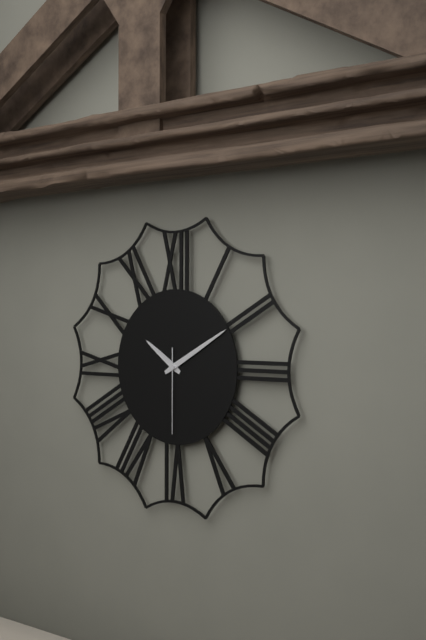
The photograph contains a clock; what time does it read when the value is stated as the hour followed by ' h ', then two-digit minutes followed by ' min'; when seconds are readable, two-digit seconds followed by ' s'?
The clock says 10 h 10 min 30 s
